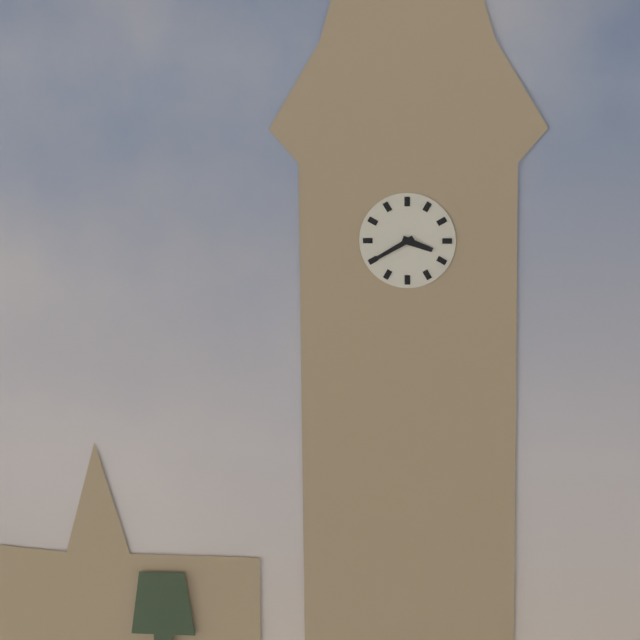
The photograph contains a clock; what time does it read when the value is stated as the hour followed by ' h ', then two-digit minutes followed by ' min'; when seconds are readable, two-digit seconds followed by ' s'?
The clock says 3 h 40 min
